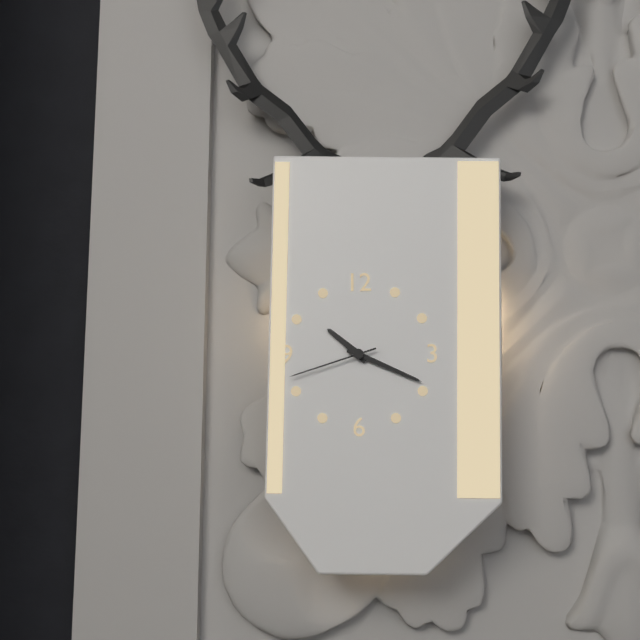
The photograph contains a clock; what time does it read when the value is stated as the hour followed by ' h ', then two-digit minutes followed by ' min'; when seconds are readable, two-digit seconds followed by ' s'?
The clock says 10 h 19 min 42 s
